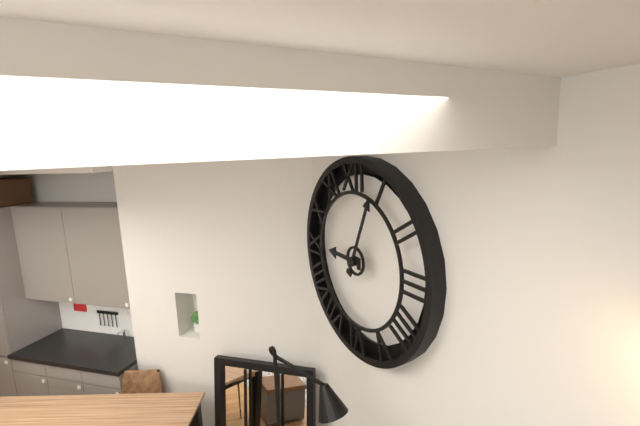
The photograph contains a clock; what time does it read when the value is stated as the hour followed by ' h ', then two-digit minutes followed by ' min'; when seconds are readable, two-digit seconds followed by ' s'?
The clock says 9 h 04 min
